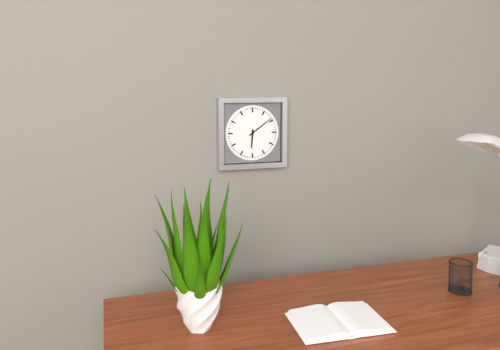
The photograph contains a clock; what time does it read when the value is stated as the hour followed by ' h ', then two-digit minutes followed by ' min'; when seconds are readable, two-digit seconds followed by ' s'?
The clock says 6 h 09 min
